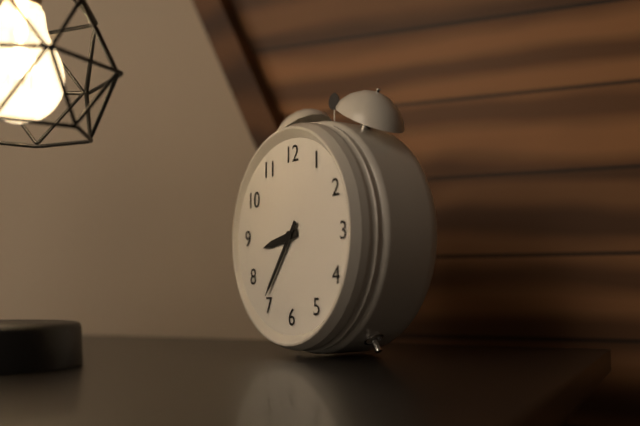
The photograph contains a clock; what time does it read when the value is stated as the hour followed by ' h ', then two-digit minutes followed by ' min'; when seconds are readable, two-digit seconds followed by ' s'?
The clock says 8 h 36 min
